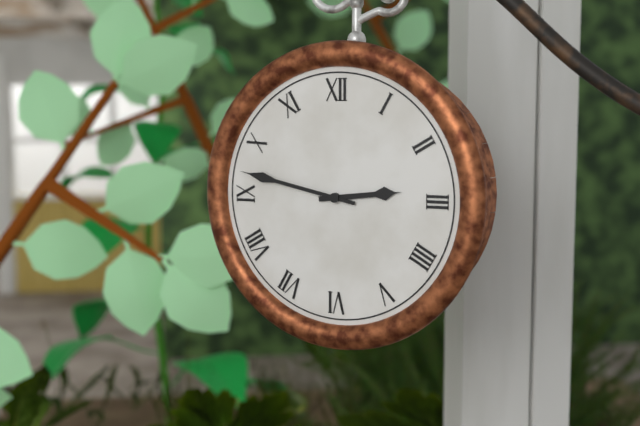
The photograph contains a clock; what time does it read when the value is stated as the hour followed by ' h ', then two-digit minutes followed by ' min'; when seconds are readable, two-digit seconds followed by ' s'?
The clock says 2 h 47 min
